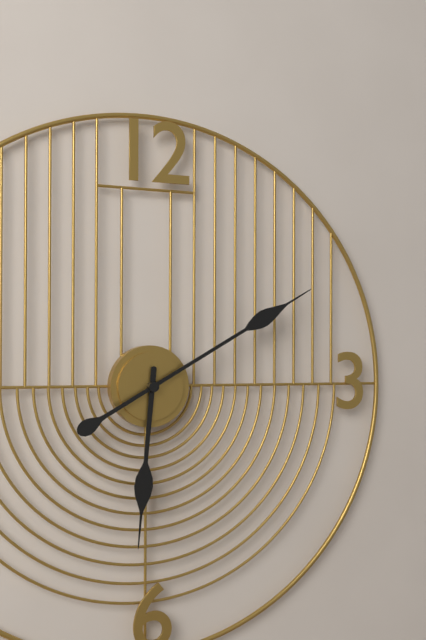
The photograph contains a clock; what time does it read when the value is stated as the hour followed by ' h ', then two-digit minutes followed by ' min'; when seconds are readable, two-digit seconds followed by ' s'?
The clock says 6 h 10 min
